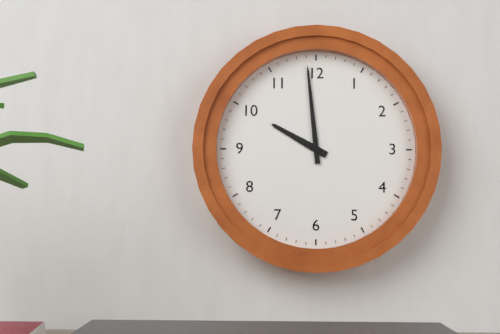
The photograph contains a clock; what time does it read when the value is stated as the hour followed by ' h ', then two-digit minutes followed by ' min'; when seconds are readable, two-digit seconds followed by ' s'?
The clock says 9 h 59 min
